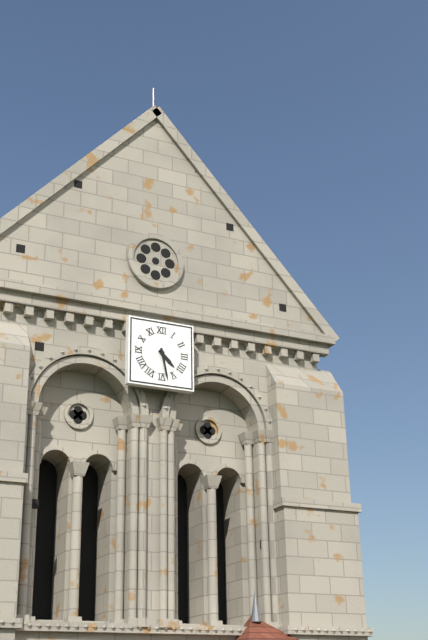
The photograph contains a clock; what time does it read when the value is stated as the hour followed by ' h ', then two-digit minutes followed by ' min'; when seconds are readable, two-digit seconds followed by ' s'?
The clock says 4 h 28 min
